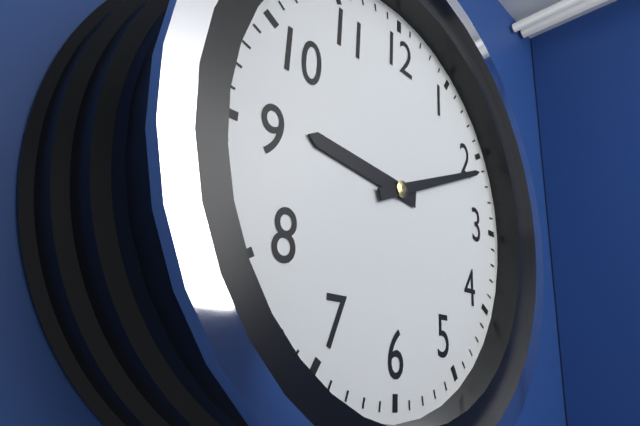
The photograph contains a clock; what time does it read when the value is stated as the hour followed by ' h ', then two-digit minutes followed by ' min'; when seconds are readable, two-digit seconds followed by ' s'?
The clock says 9 h 11 min
